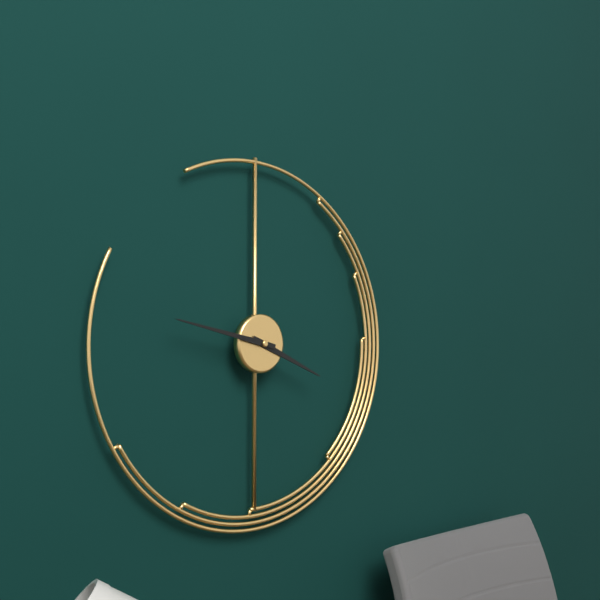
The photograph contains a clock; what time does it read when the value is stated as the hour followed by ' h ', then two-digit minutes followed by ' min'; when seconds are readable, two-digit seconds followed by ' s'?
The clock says 3 h 47 min
